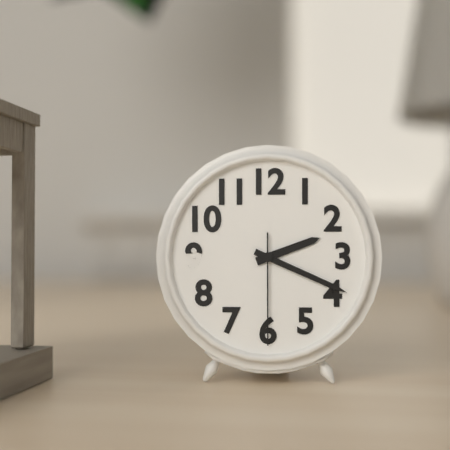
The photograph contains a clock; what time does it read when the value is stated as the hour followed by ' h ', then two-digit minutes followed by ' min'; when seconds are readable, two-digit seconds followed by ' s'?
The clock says 2 h 19 min 30 s
